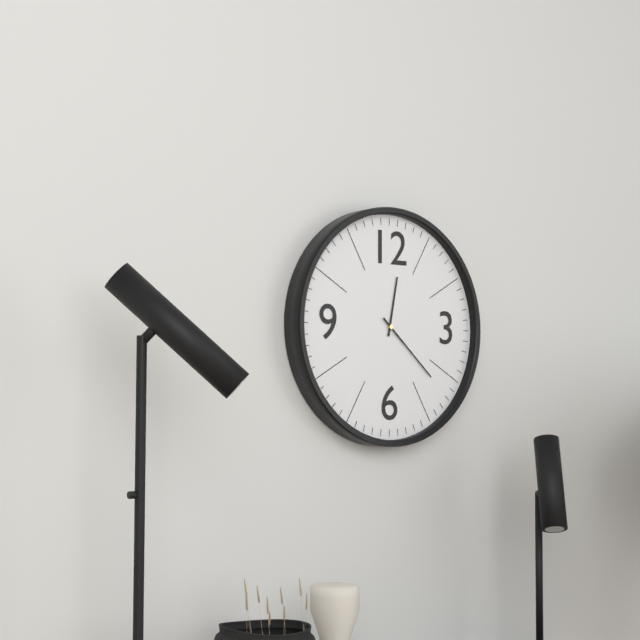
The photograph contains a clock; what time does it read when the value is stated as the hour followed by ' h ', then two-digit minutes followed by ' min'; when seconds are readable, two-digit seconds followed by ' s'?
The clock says 12 h 22 min
